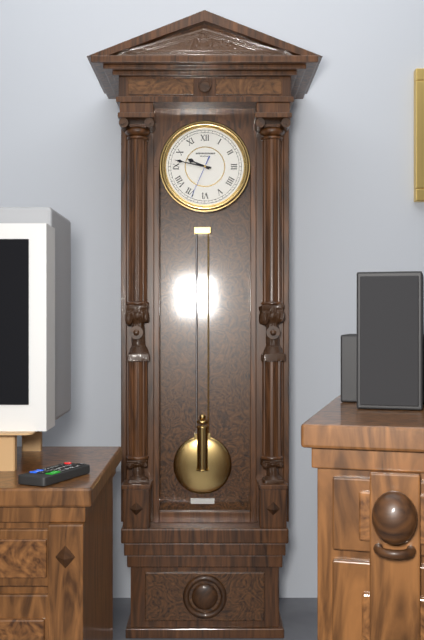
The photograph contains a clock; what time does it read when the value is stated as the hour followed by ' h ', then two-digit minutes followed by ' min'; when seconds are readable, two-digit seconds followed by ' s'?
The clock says 9 h 47 min
